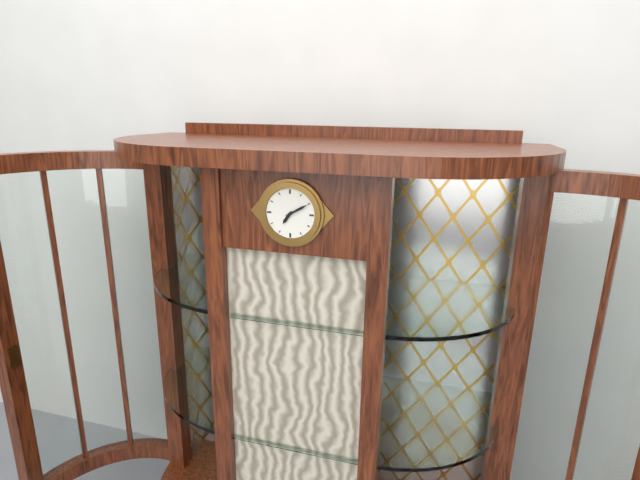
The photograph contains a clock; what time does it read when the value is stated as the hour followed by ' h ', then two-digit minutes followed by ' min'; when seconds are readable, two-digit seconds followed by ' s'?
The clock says 7 h 10 min
